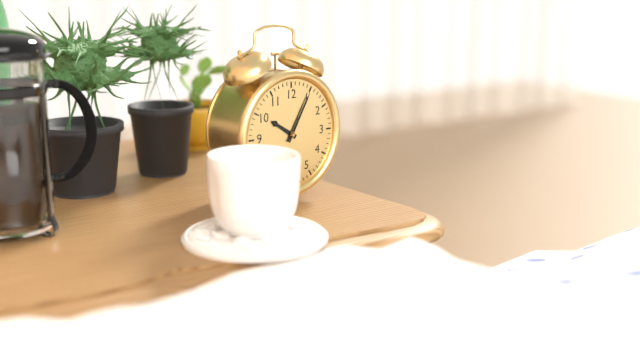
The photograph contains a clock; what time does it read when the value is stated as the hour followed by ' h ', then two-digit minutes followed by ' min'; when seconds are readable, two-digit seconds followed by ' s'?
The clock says 10 h 05 min
